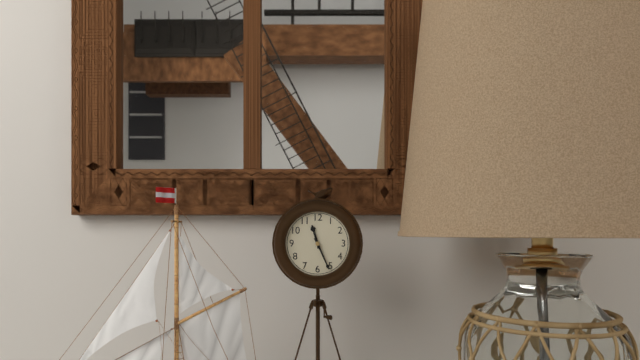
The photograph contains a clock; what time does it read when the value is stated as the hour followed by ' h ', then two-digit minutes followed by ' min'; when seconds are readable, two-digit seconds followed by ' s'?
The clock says 11 h 26 min
